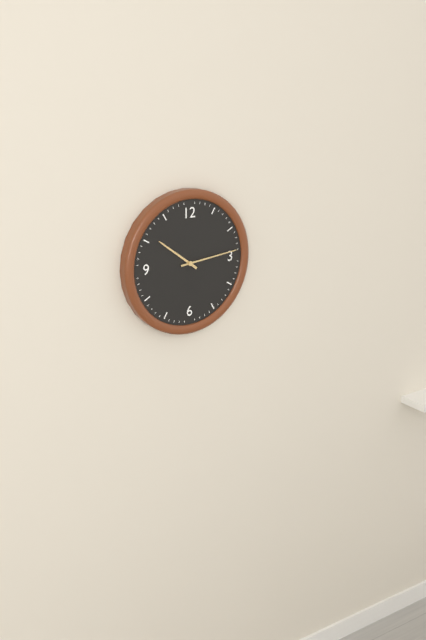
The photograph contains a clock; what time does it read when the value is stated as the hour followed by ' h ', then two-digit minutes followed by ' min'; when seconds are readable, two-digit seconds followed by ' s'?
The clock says 10 h 14 min
